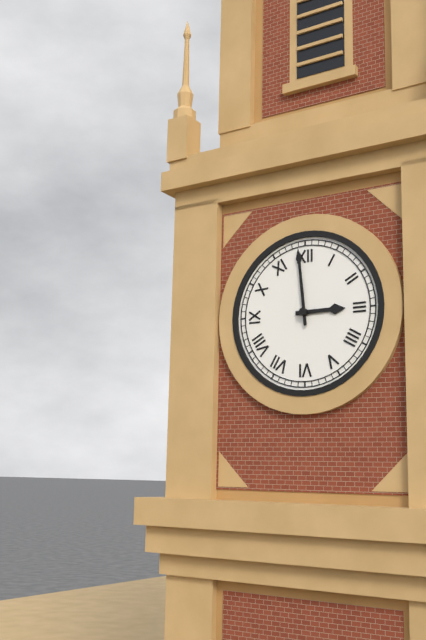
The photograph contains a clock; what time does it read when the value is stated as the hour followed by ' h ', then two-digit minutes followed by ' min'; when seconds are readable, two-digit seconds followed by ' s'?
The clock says 2 h 59 min
